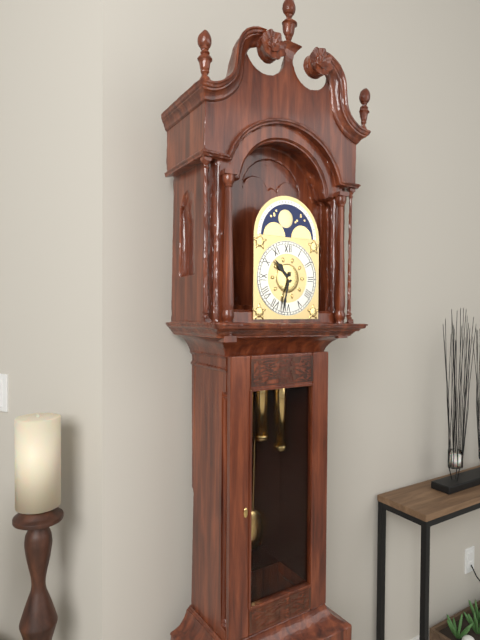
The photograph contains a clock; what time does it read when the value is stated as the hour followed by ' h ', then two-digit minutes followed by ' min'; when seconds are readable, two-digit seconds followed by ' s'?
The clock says 10 h 32 min
